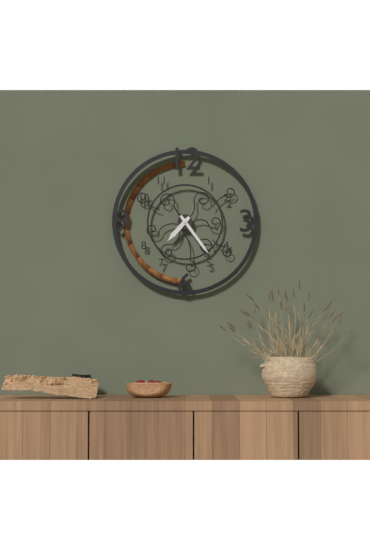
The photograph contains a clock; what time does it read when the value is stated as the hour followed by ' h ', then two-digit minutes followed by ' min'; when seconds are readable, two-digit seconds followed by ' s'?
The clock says 7 h 24 min
